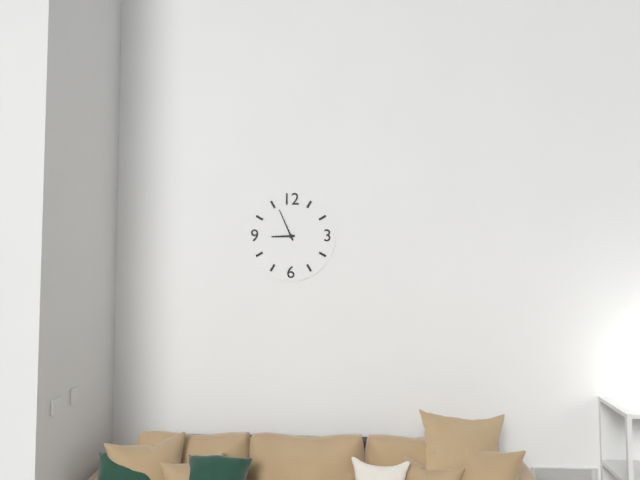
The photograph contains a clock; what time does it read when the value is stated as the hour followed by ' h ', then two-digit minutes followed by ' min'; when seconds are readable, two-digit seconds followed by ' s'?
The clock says 8 h 56 min
